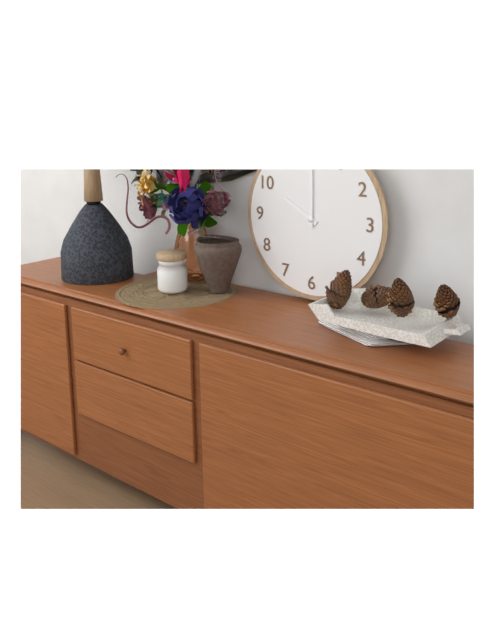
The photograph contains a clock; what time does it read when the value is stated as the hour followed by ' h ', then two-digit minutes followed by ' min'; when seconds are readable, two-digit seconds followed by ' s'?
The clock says 10 h 00 min
